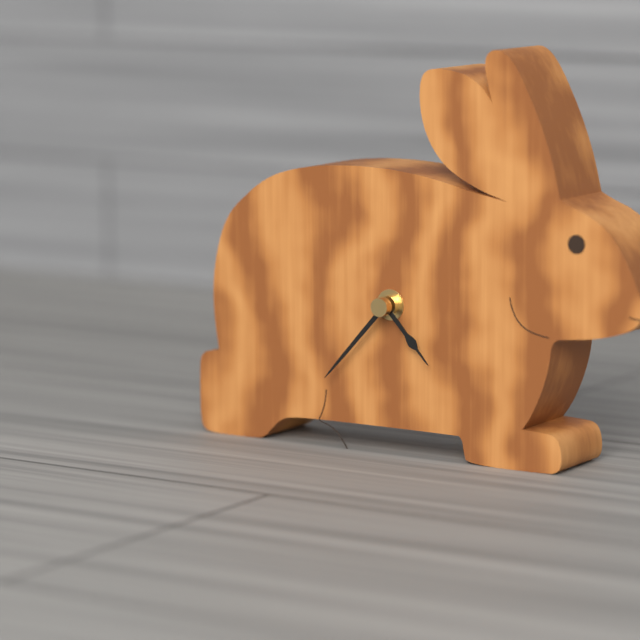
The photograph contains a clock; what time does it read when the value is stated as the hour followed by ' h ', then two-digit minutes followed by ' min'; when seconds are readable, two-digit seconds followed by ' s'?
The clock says 4 h 37 min
